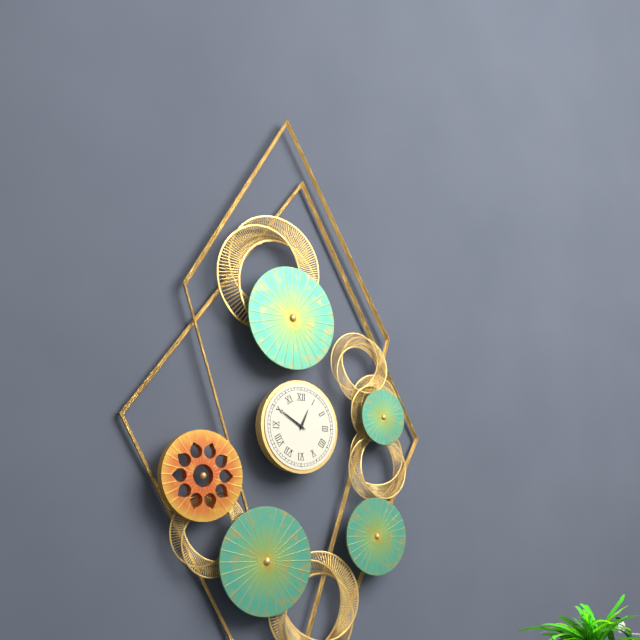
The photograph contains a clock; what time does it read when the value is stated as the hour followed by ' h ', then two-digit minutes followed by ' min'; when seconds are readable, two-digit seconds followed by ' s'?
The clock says 12 h 50 min
